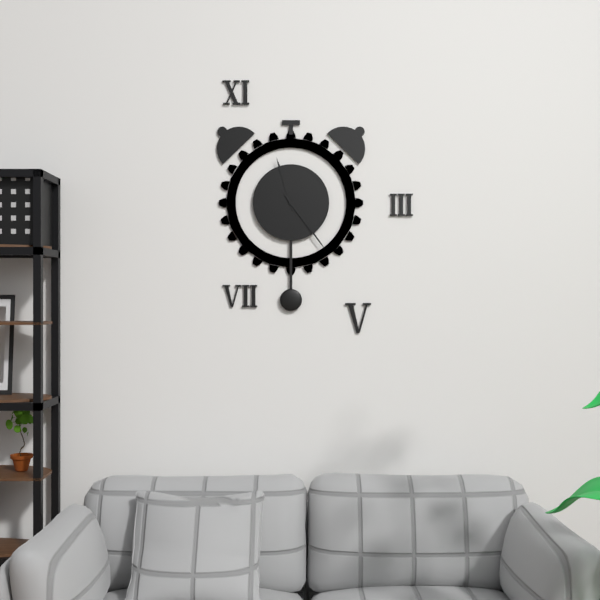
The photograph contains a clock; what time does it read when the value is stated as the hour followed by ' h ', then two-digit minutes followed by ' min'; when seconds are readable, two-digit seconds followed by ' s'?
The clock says 11 h 24 min
